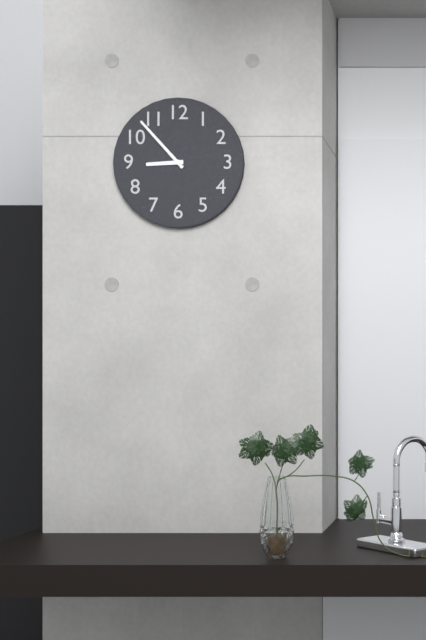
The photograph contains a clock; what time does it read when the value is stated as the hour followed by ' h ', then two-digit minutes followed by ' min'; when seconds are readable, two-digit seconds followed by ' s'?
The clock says 8 h 53 min
